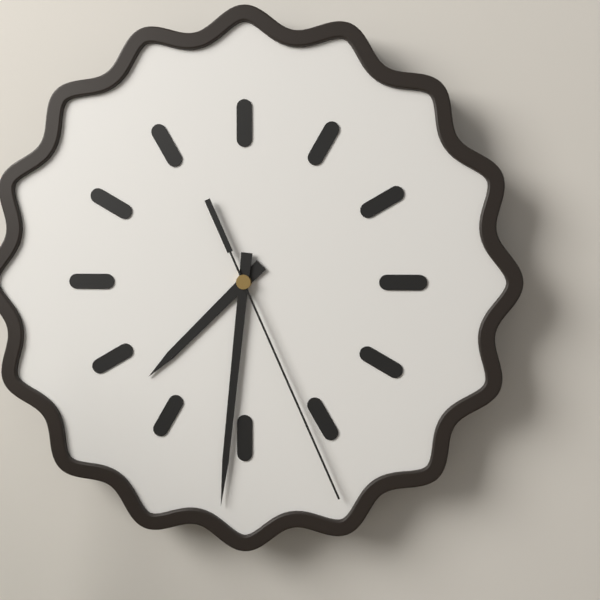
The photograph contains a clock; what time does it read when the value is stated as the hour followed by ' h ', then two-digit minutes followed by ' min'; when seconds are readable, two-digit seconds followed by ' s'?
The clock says 7 h 31 min 26 s
